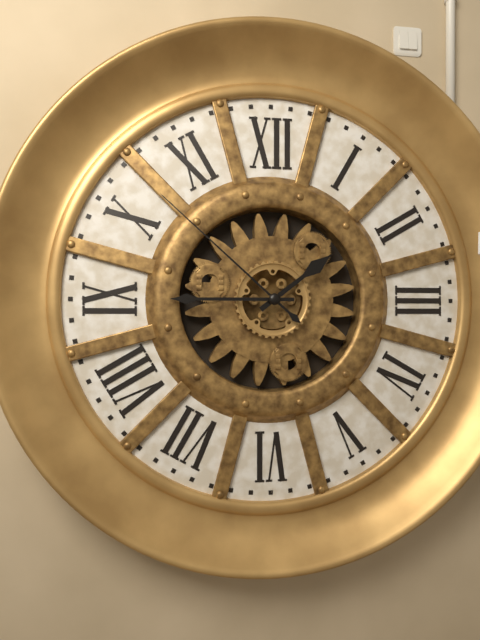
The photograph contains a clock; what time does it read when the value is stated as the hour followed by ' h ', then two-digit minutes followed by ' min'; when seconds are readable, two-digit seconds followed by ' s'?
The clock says 1 h 45 min 52 s
